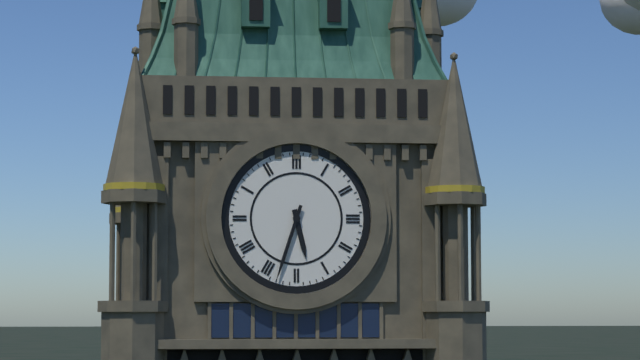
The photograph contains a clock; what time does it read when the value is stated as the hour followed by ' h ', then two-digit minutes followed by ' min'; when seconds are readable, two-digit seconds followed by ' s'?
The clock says 5 h 33 min
